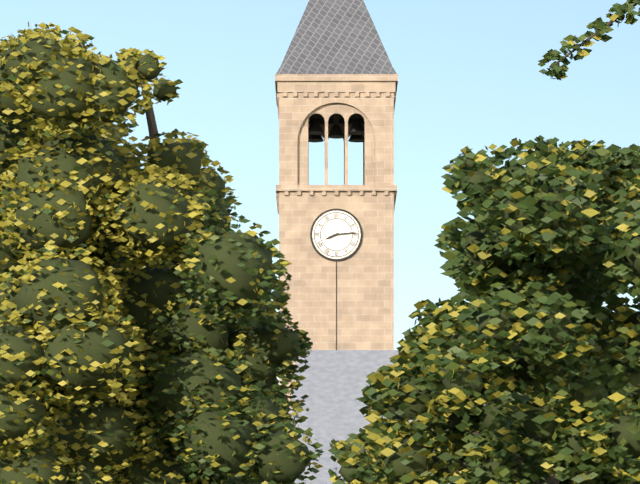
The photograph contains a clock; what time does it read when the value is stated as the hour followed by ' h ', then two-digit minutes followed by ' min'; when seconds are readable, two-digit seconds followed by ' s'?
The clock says 8 h 14 min
